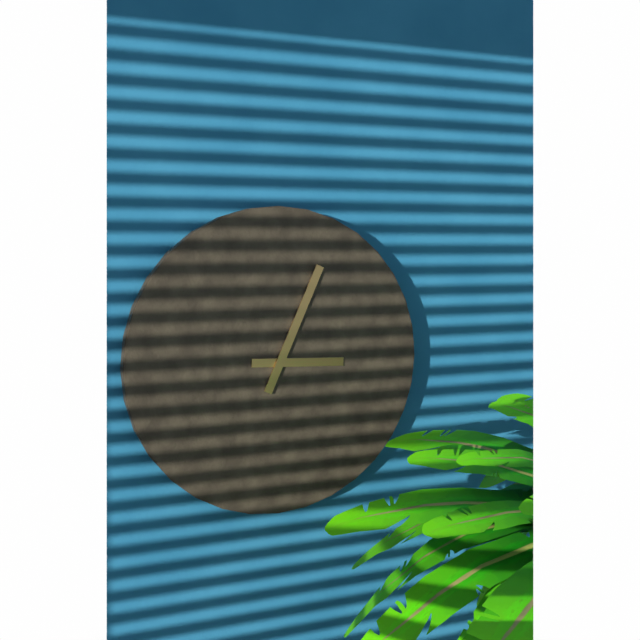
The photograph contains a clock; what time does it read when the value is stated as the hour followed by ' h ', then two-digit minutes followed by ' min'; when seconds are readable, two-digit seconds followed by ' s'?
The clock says 3 h 04 min
